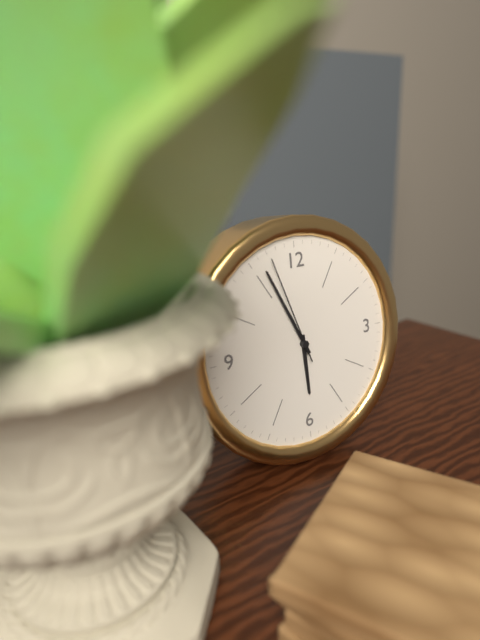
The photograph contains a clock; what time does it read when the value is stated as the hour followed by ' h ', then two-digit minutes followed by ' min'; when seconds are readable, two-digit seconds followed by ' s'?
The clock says 5 h 56 min 57 s
